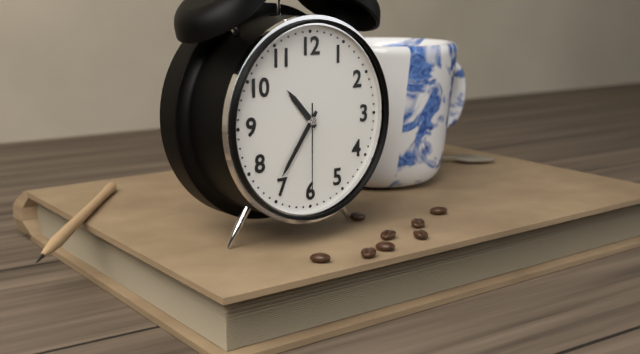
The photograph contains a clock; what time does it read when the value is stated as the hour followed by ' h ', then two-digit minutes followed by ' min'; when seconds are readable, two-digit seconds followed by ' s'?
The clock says 10 h 36 min 30 s
